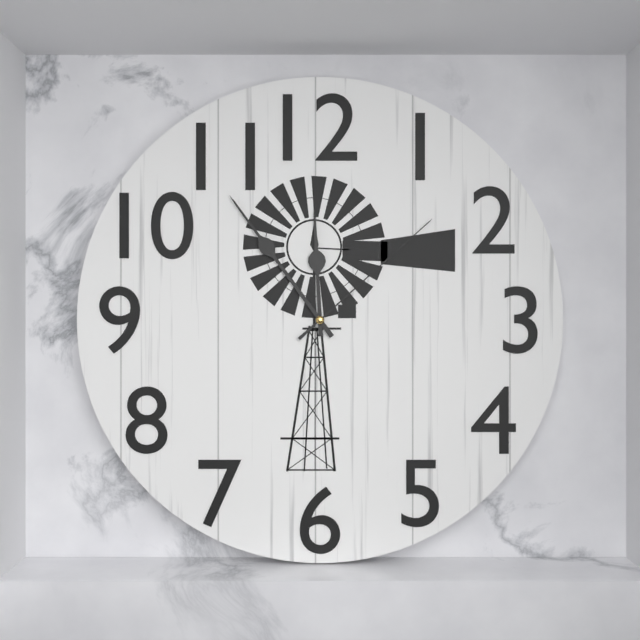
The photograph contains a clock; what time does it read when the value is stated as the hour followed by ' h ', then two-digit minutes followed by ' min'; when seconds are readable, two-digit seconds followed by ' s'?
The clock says 11 h 54 min 08 s
